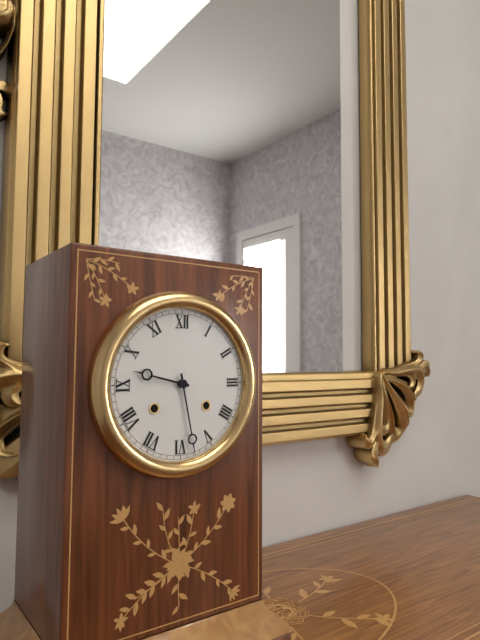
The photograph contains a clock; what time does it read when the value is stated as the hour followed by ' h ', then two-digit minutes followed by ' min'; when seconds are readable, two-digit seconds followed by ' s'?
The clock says 9 h 28 min
